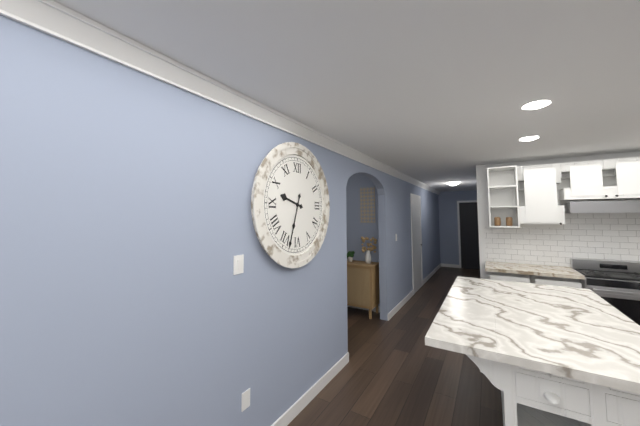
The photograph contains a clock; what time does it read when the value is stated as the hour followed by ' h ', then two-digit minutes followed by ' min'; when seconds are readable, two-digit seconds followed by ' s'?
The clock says 9 h 33 min
